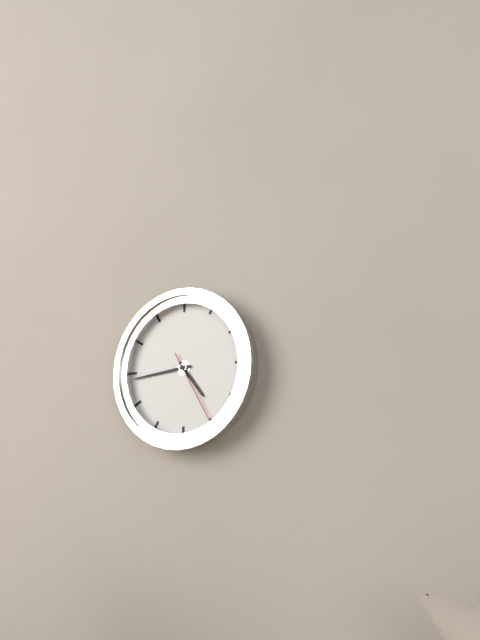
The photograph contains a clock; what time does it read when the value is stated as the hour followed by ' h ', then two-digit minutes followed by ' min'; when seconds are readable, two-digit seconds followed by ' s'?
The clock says 4 h 44 min 25 s
